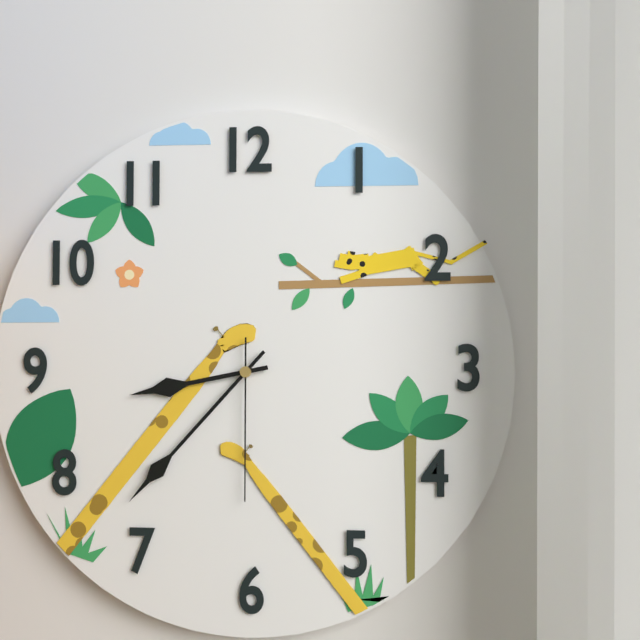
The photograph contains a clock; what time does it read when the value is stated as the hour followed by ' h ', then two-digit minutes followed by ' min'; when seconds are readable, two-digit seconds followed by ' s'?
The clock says 8 h 37 min 30 s
